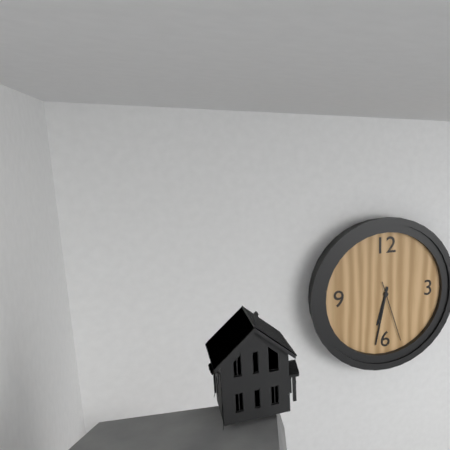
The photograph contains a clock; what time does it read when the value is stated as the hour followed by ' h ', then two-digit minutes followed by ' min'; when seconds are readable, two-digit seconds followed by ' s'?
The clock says 6 h 32 min 27 s
